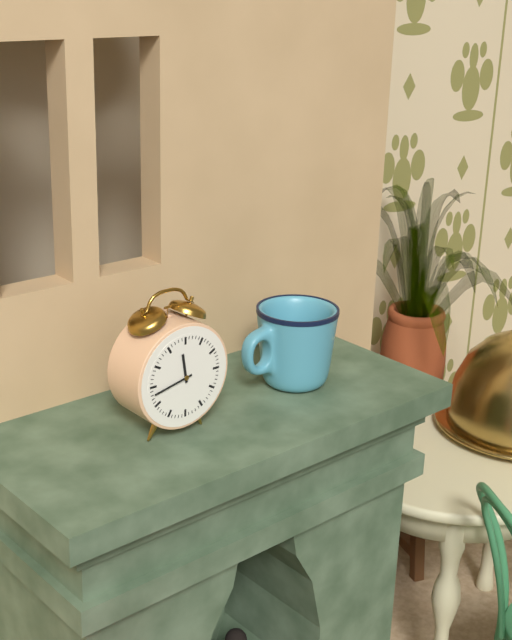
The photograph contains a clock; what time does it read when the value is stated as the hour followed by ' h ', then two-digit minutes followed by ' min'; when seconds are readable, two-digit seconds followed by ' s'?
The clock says 11 h 43 min
